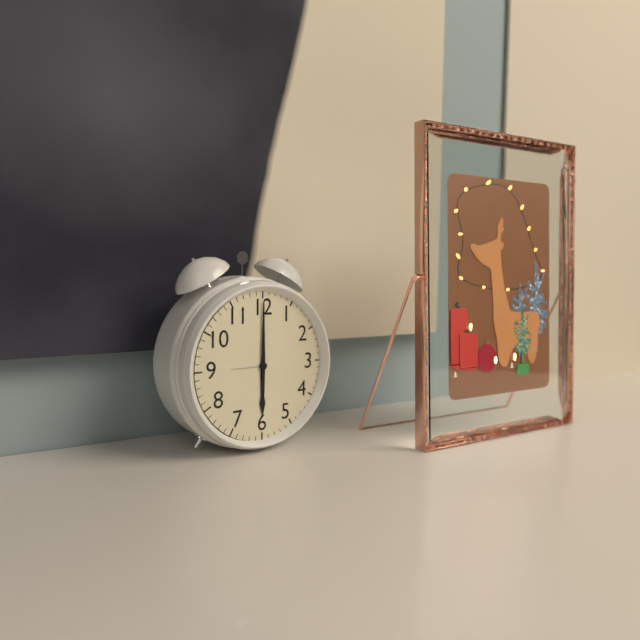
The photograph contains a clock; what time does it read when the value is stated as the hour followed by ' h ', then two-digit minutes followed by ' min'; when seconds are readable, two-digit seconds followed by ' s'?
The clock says 6 h 00 min
